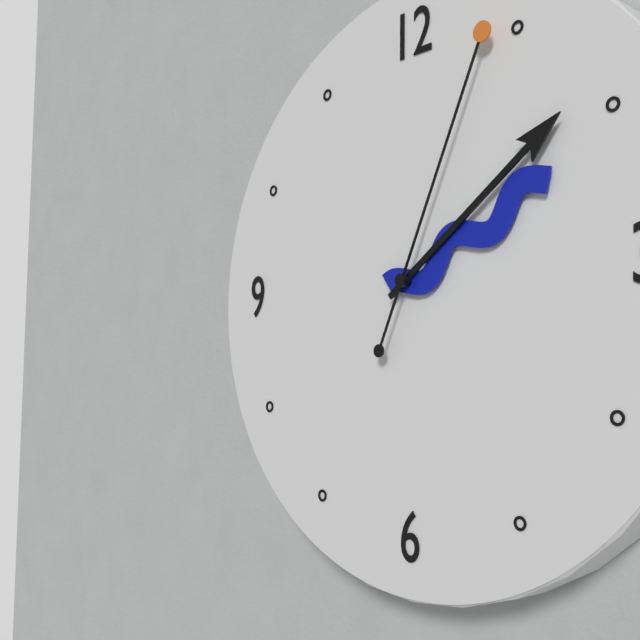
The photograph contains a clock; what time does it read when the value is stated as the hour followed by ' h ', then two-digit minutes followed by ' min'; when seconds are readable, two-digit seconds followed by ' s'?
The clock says 2 h 09 min 04 s
